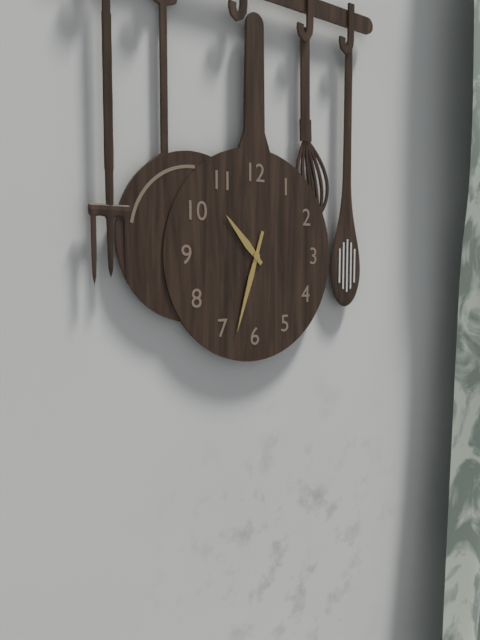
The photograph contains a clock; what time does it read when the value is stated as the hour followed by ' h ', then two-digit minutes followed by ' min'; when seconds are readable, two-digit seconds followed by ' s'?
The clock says 10 h 33 min
